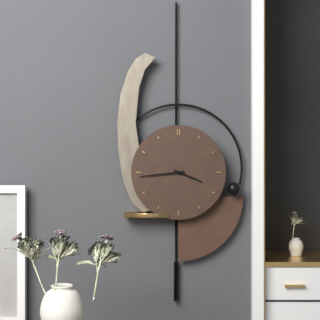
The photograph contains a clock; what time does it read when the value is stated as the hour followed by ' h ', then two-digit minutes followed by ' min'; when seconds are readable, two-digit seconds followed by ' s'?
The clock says 3 h 44 min
